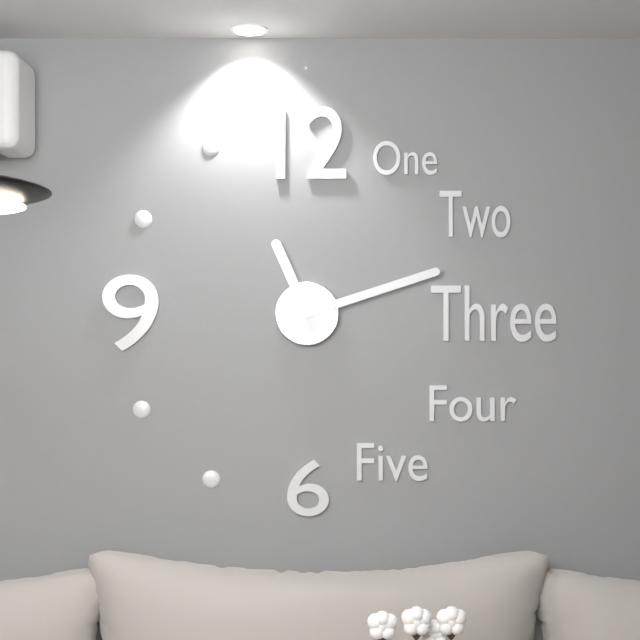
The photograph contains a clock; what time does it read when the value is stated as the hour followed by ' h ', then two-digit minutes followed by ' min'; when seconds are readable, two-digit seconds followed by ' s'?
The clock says 11 h 12 min
